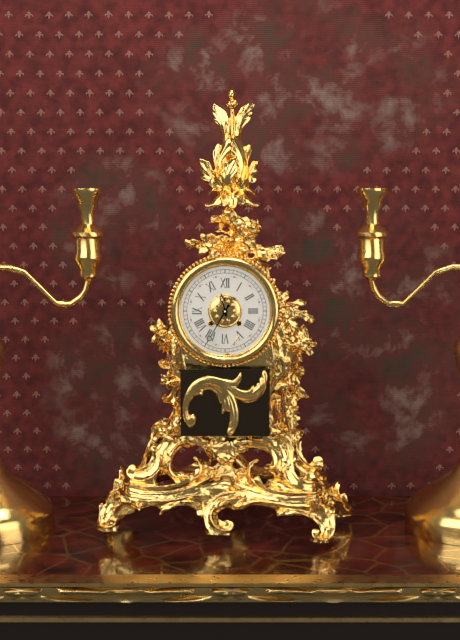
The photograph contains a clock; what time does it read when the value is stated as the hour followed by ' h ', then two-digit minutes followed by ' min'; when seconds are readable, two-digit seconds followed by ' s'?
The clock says 11 h 35 min
